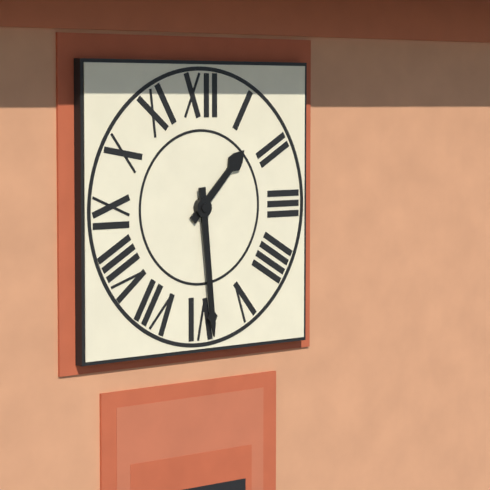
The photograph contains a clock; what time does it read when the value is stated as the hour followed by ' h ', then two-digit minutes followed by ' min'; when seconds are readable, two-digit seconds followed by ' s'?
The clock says 1 h 29 min
